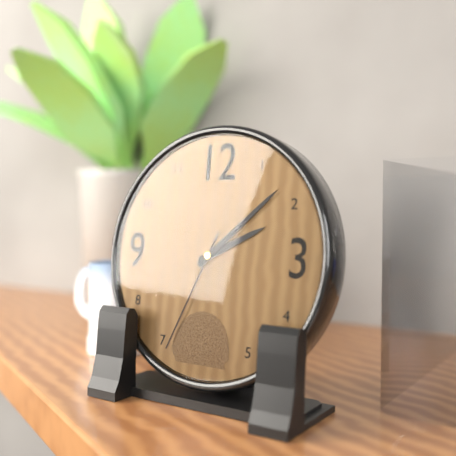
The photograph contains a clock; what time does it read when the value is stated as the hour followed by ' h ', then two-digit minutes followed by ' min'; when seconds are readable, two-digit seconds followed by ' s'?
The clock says 2 h 08 min 34 s
